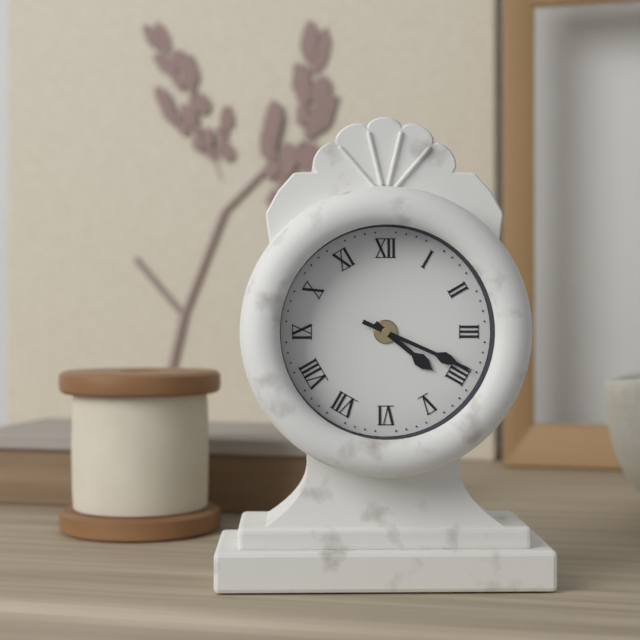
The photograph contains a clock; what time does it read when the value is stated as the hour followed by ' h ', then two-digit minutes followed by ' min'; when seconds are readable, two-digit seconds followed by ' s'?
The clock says 4 h 19 min
